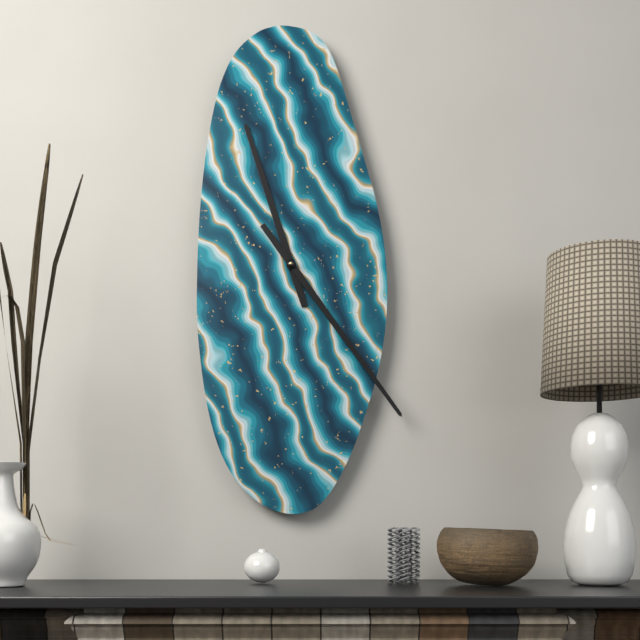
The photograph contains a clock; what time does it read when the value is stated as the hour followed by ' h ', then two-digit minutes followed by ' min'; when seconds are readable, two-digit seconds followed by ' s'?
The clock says 11 h 24 min
